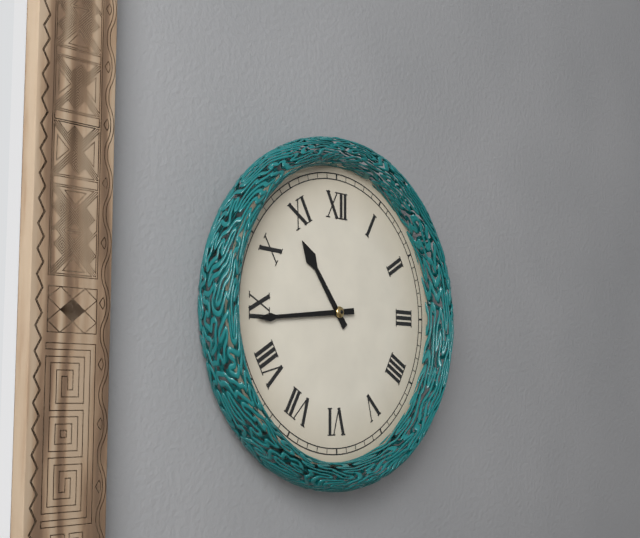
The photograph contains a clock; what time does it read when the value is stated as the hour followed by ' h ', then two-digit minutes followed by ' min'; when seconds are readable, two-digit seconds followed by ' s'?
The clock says 10 h 44 min
